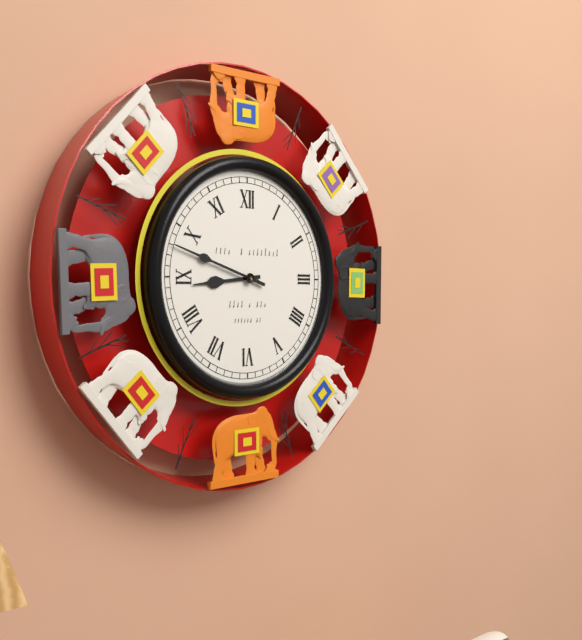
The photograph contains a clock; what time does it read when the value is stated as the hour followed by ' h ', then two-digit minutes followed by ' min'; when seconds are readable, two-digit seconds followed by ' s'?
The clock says 8 h 48 min
